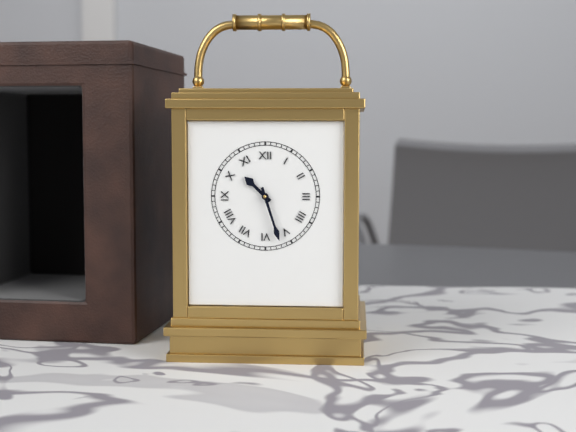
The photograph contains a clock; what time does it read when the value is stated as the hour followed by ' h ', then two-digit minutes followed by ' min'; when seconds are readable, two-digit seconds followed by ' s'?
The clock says 10 h 27 min
